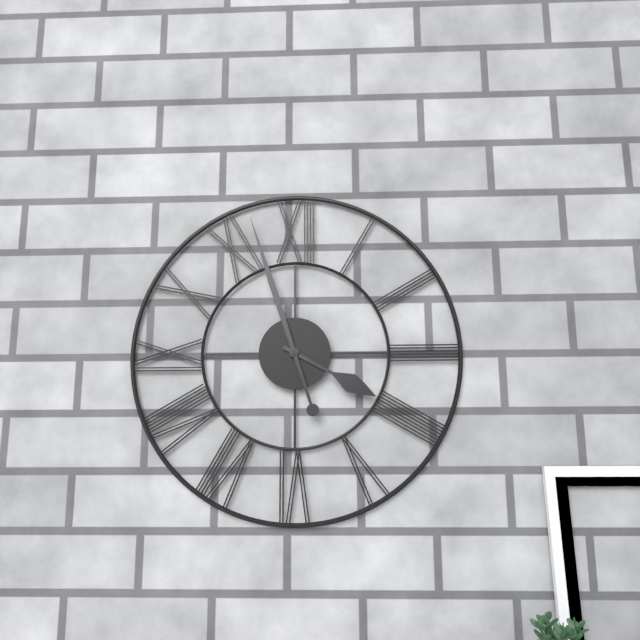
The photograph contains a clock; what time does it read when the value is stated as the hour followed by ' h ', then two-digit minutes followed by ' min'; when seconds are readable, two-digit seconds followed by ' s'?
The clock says 3 h 57 min
